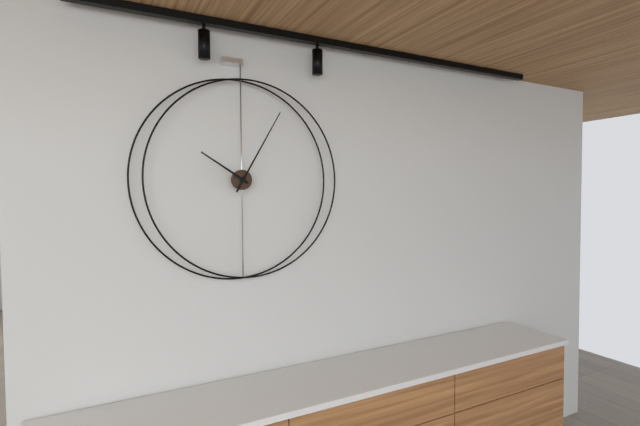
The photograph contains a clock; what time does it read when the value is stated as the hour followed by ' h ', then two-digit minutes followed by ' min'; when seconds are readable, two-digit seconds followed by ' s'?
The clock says 10 h 05 min
